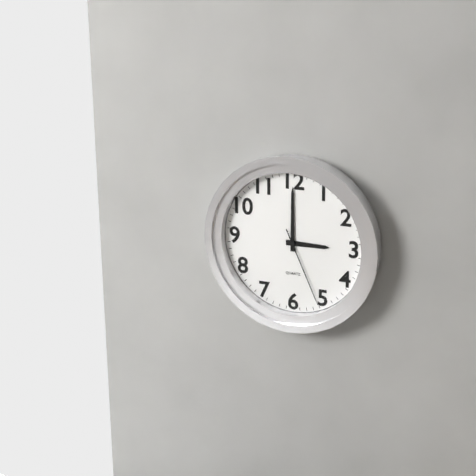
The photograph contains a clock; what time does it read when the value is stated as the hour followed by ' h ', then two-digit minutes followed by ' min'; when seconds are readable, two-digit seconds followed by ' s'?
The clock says 3 h 00 min 26 s
